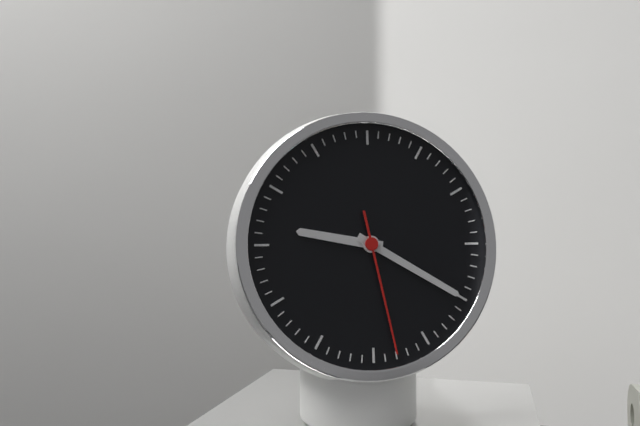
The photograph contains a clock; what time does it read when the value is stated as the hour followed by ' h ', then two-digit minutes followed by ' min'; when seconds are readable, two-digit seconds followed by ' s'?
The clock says 9 h 20 min 28 s
